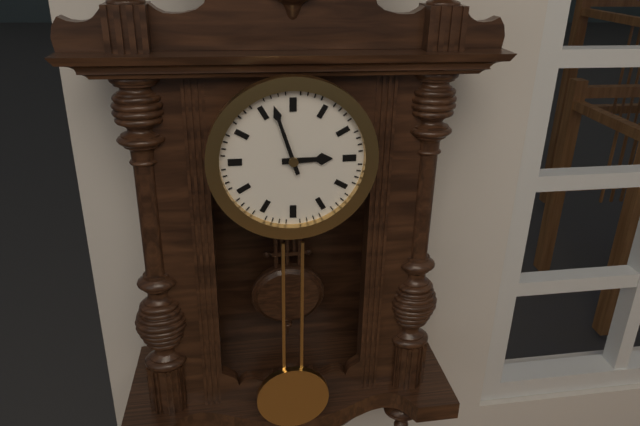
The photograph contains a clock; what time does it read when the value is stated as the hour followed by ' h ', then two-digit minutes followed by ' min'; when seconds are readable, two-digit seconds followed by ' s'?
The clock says 2 h 57 min
